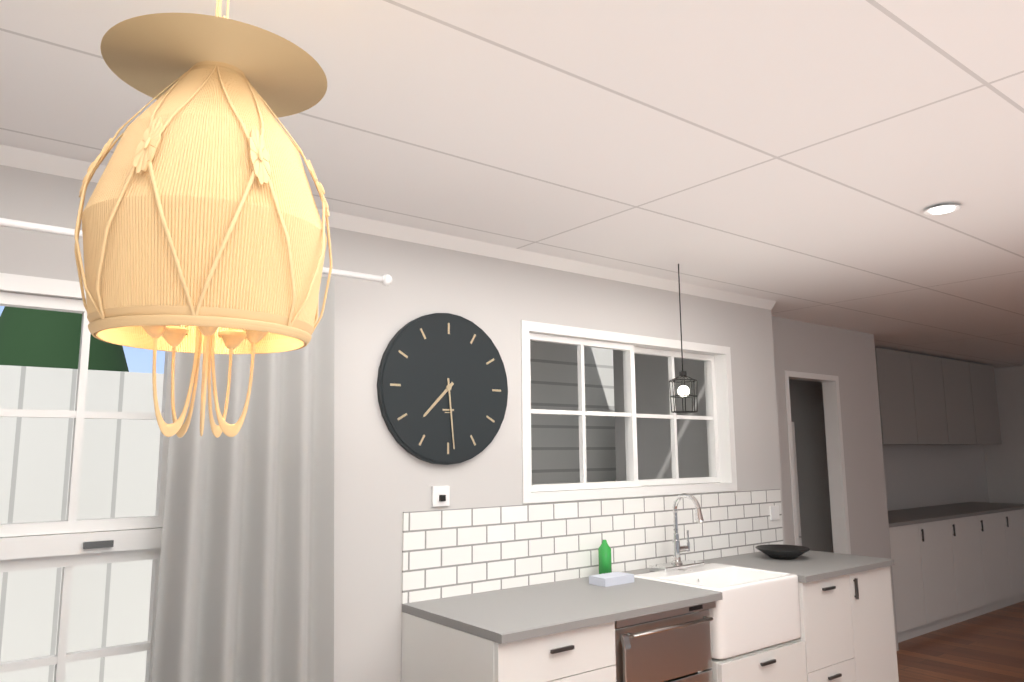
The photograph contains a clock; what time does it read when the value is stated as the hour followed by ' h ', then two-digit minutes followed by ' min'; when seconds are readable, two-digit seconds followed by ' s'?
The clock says 7 h 29 min
